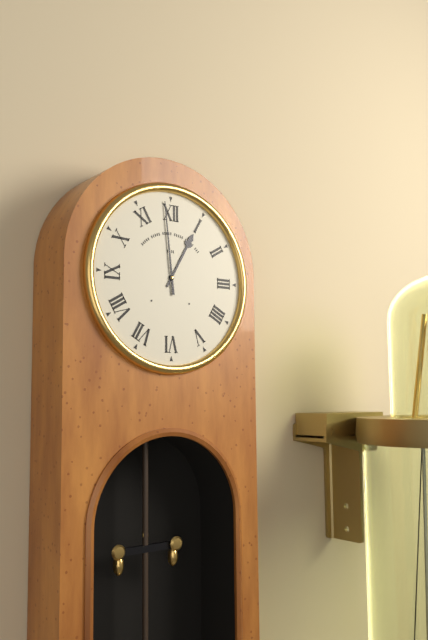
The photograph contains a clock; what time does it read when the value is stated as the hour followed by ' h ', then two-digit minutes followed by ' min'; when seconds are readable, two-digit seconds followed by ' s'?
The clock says 12 h 59 min
